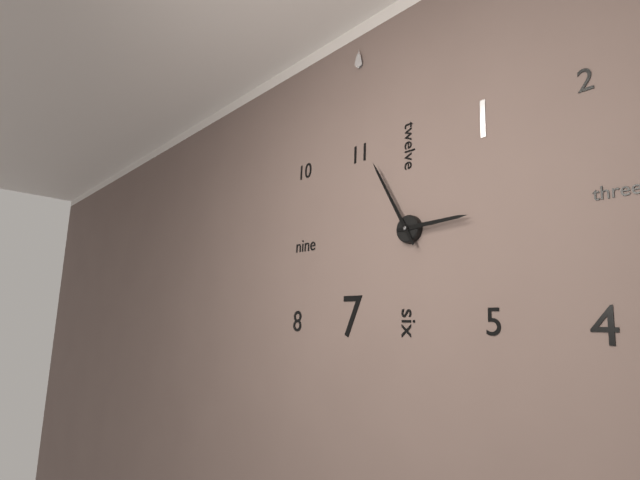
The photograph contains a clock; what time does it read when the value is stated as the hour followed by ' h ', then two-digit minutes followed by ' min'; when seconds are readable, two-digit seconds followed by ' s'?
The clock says 2 h 55 min
